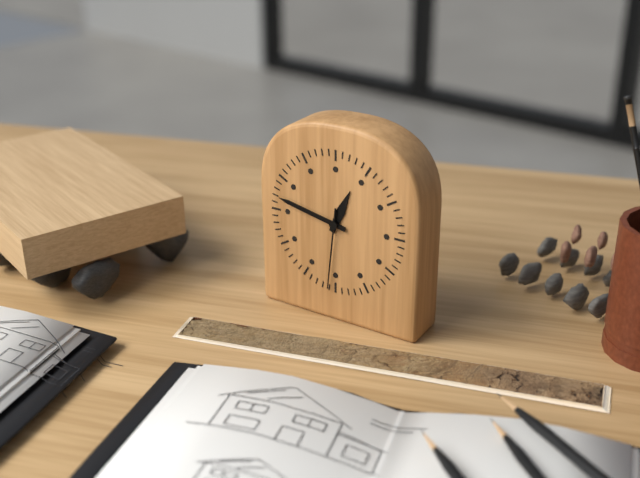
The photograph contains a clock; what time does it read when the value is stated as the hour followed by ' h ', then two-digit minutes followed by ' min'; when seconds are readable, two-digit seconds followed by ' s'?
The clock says 12 h 47 min 31 s
